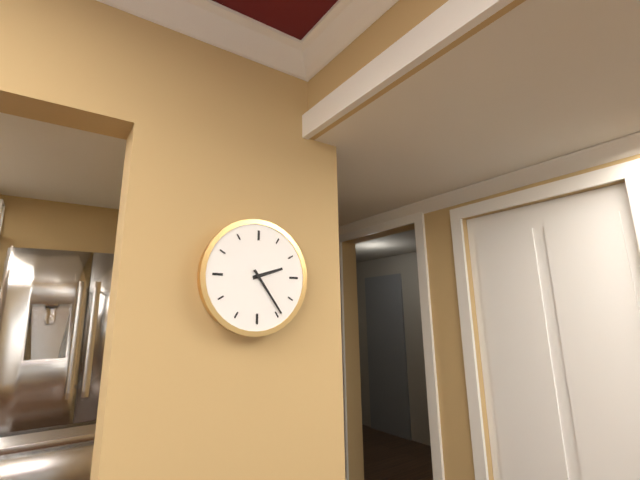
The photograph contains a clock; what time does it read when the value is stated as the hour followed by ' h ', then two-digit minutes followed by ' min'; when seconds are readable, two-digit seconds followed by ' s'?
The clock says 2 h 24 min
